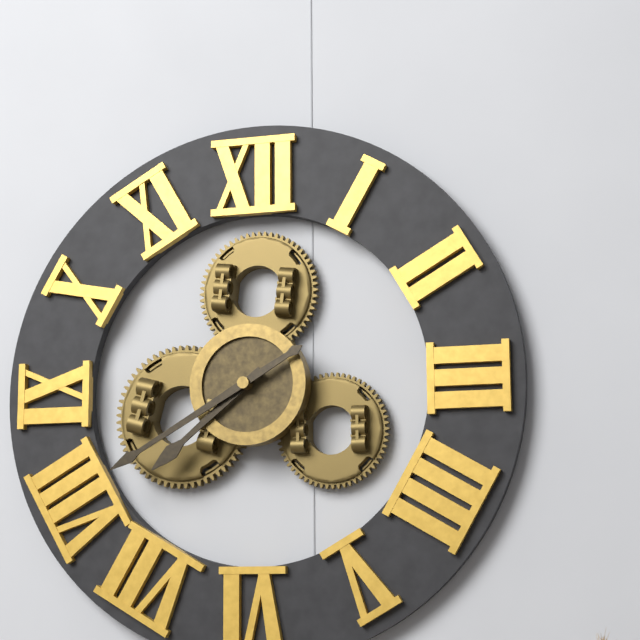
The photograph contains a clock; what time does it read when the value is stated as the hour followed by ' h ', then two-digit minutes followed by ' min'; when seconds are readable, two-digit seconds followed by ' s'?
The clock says 7 h 40 min
